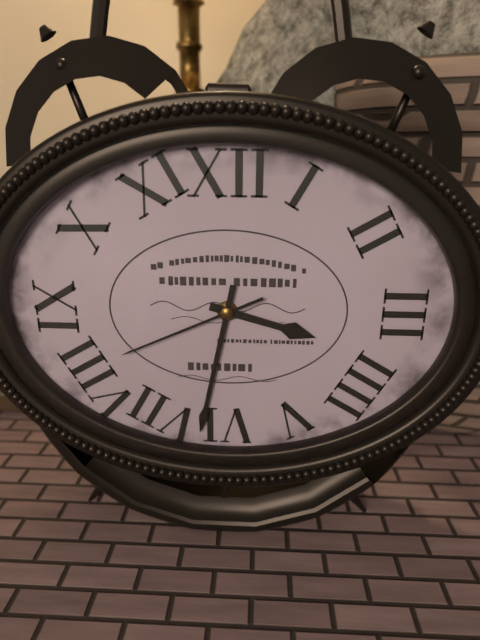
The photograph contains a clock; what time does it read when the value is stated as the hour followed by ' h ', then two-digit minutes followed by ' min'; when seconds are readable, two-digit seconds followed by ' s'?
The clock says 3 h 32 min 41 s
